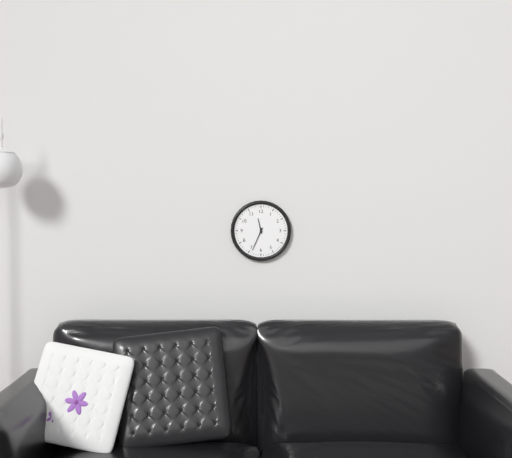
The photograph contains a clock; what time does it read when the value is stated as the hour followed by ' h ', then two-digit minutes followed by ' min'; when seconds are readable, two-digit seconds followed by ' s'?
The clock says 11 h 34 min
